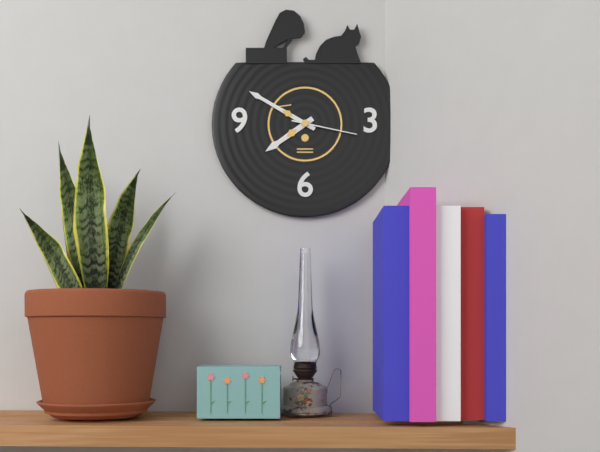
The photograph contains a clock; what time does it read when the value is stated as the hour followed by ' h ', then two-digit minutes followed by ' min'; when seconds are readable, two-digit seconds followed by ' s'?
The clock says 7 h 50 min 17 s
